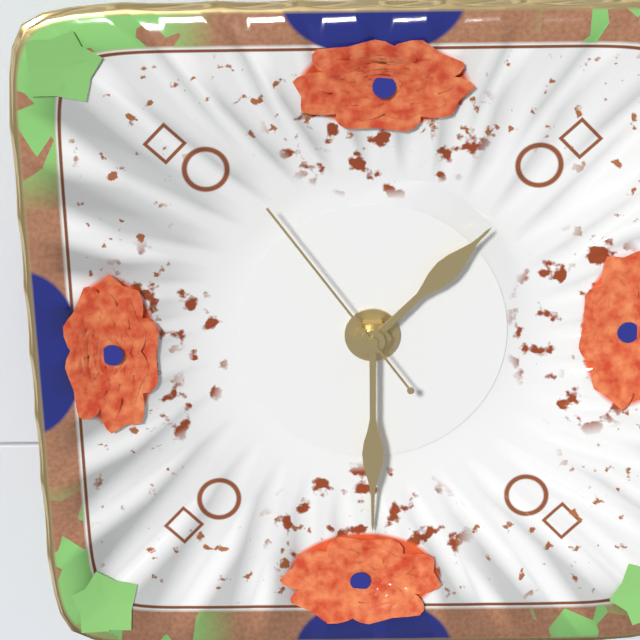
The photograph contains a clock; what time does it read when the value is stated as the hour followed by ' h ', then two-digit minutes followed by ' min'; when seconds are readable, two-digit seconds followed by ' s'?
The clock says 1 h 30 min 54 s
